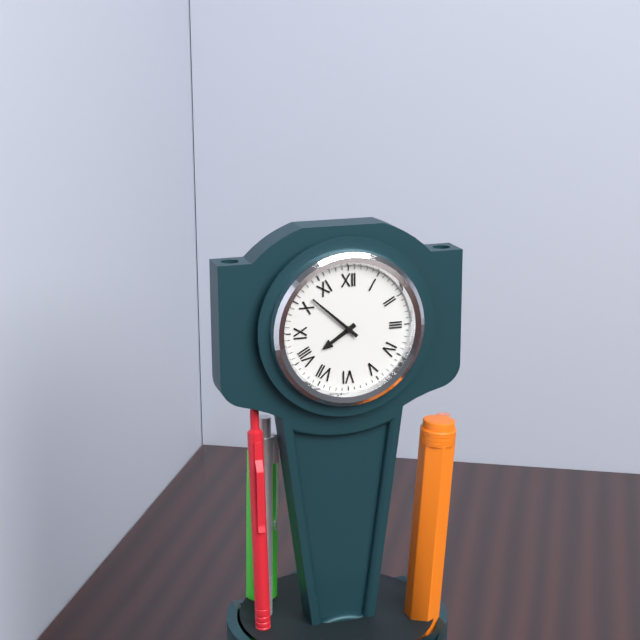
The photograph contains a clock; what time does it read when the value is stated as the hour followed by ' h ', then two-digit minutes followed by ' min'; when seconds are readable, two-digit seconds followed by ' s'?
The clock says 7 h 52 min
